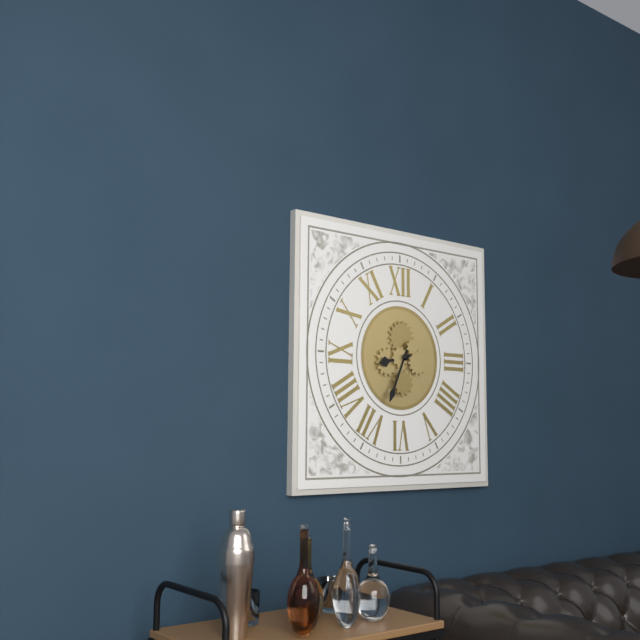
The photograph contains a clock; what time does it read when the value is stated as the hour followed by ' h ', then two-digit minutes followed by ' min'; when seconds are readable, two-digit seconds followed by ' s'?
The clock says 8 h 34 min
